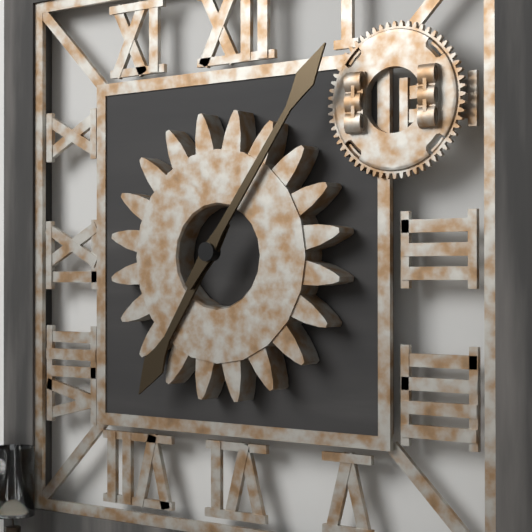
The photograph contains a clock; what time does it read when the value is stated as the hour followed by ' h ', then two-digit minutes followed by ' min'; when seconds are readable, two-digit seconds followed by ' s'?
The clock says 7 h 06 min
